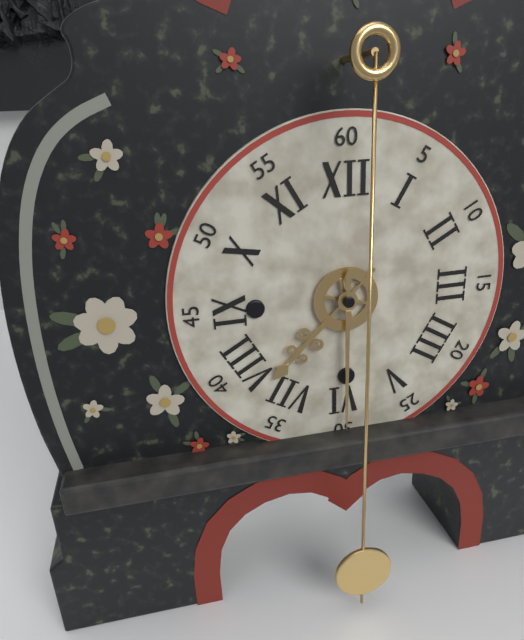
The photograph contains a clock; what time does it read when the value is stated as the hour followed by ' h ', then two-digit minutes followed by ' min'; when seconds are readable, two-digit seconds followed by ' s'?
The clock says 7 h 30 min
